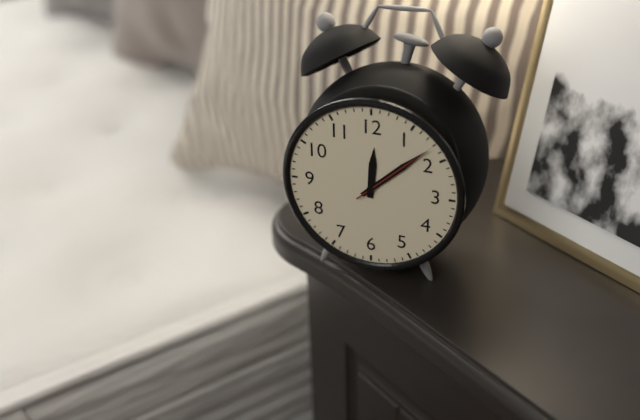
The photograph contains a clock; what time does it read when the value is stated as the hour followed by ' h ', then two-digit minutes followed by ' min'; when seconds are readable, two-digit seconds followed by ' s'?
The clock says 12 h 08 min 08 s
